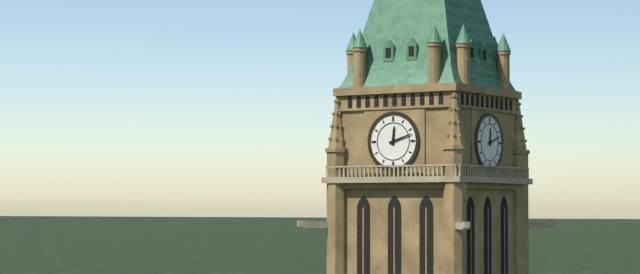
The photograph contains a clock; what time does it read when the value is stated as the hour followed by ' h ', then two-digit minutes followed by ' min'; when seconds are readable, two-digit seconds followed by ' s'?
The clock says 12 h 12 min
